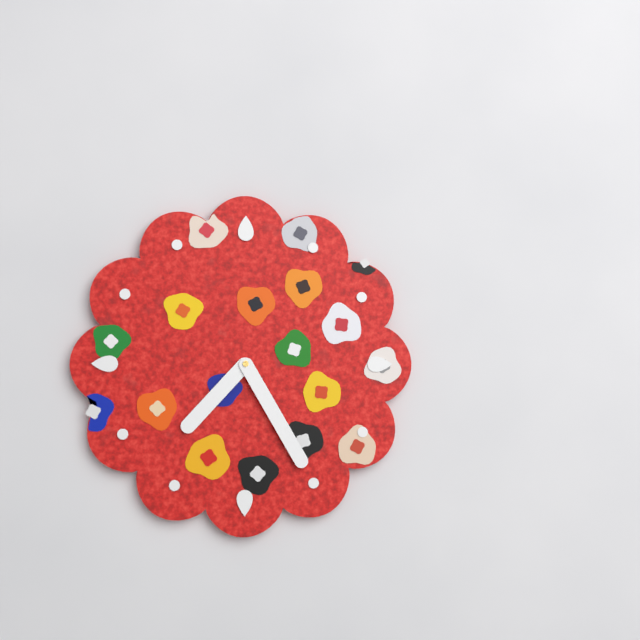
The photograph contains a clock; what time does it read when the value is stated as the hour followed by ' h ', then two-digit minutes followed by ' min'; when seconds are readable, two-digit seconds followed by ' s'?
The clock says 7 h 25 min
